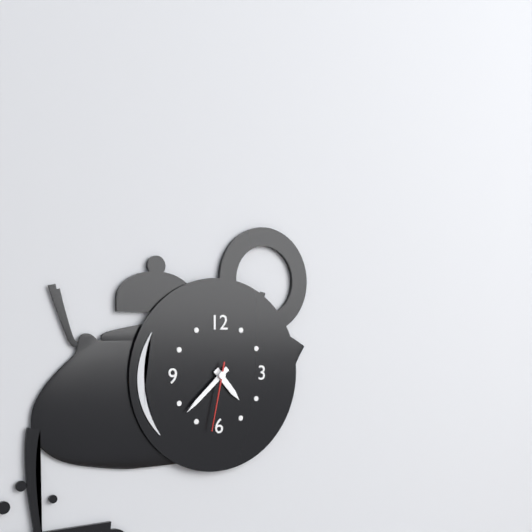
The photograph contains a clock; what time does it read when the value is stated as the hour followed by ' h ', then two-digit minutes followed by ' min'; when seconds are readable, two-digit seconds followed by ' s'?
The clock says 4 h 38 min 32 s
